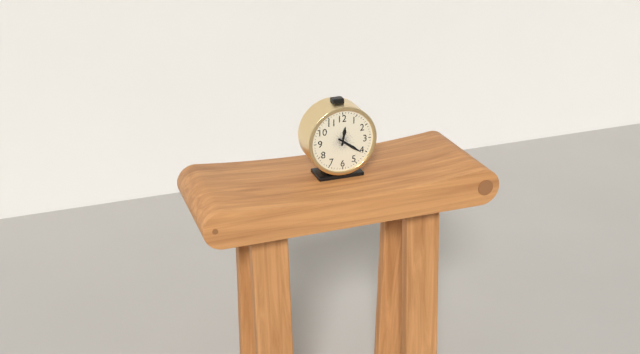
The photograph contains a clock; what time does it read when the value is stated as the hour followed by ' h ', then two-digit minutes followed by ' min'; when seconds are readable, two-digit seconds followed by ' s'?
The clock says 12 h 21 min
